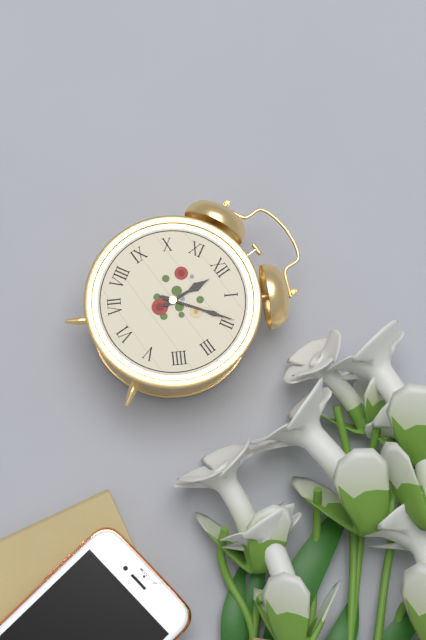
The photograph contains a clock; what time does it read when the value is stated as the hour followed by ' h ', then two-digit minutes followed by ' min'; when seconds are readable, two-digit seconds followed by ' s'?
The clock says 12 h 09 min
